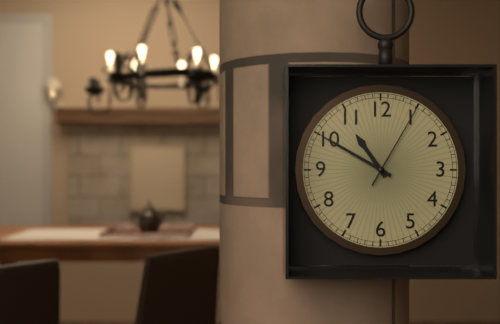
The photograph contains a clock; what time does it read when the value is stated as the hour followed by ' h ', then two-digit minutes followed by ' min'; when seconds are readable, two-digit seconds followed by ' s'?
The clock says 10 h 50 min 05 s
